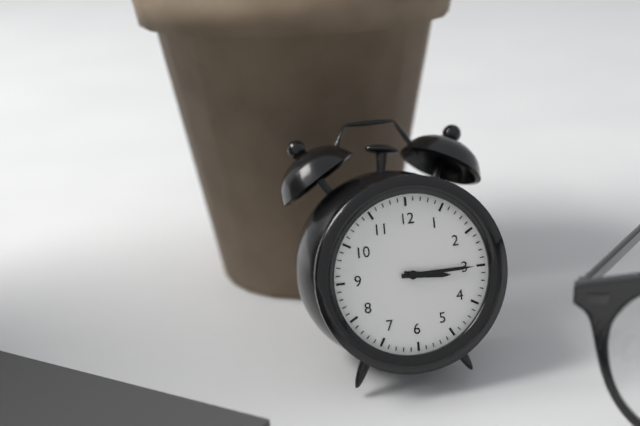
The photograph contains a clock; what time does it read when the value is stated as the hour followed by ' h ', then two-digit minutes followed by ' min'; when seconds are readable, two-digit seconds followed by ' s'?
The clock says 3 h 15 min
